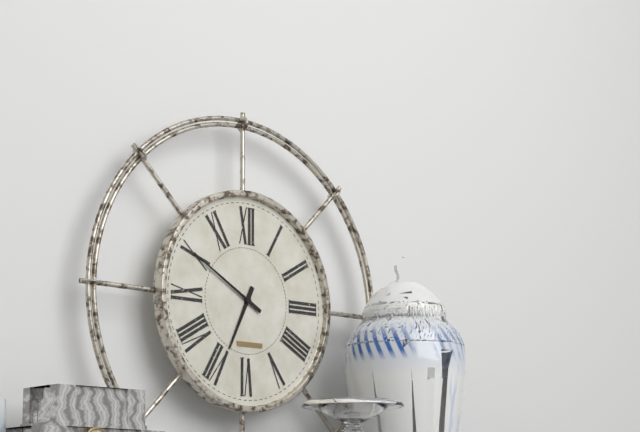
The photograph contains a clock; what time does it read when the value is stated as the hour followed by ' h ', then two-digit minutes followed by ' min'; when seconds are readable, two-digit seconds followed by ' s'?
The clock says 6 h 50 min
